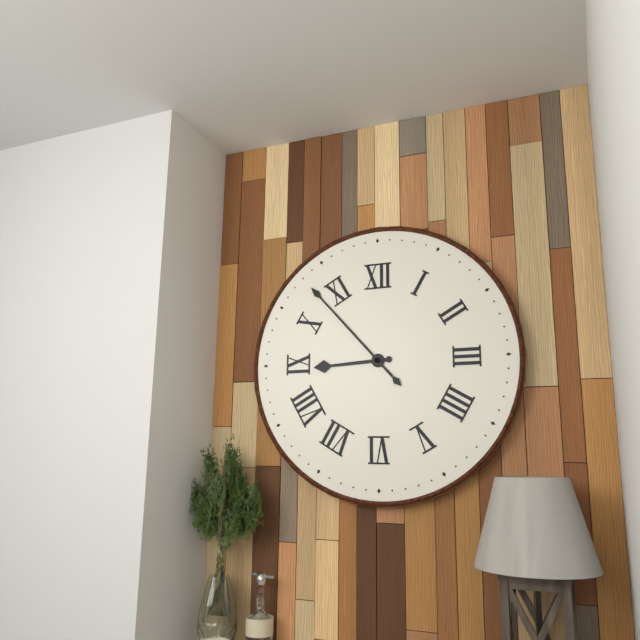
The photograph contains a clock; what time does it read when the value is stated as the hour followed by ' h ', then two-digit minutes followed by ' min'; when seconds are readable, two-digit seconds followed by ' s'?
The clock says 8 h 53 min
